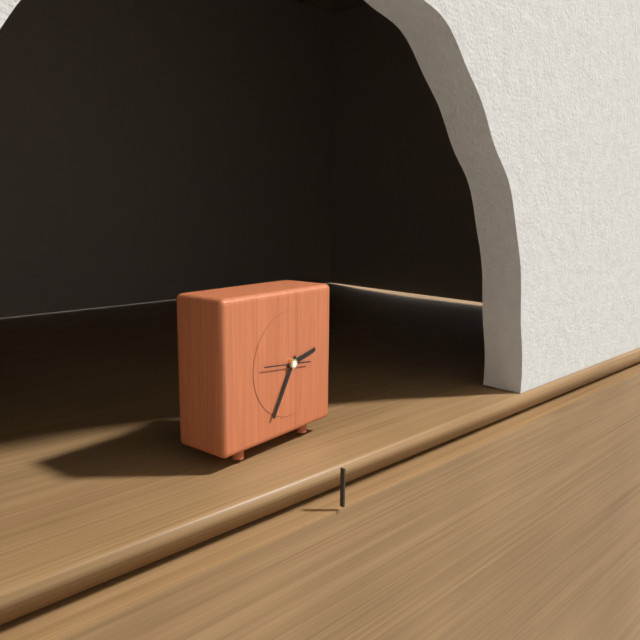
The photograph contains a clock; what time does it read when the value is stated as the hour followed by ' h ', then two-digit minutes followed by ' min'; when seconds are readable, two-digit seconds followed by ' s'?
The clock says 2 h 35 min
